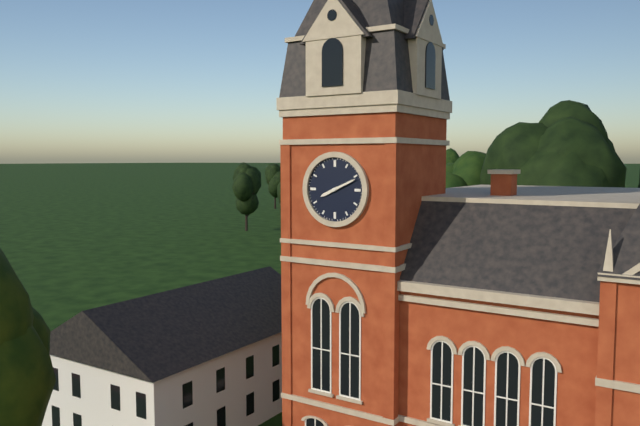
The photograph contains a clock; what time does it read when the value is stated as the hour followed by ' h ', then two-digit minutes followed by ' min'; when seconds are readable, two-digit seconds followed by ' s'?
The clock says 8 h 11 min
